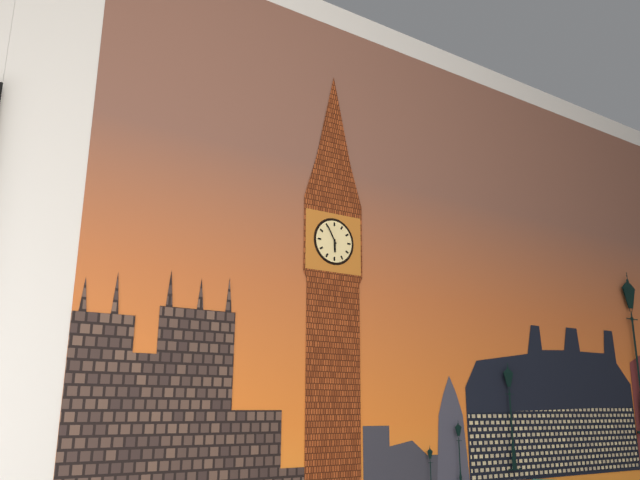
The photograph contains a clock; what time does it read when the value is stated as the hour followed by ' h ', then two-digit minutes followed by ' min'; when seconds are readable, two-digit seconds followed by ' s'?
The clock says 5 h 55 min
